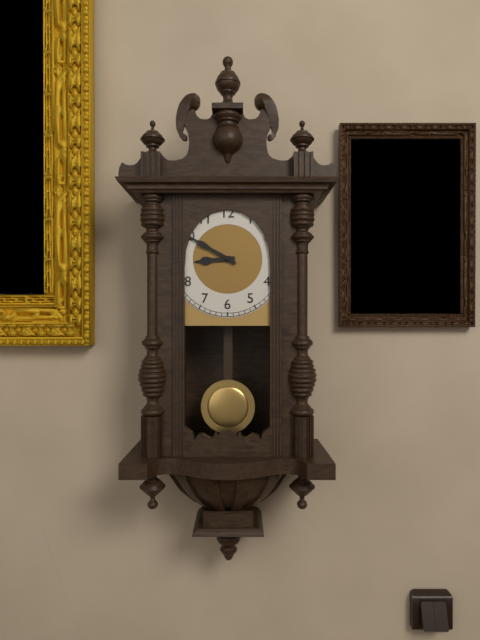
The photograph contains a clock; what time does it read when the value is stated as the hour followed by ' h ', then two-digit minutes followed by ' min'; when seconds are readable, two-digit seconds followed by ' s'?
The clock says 8 h 50 min
